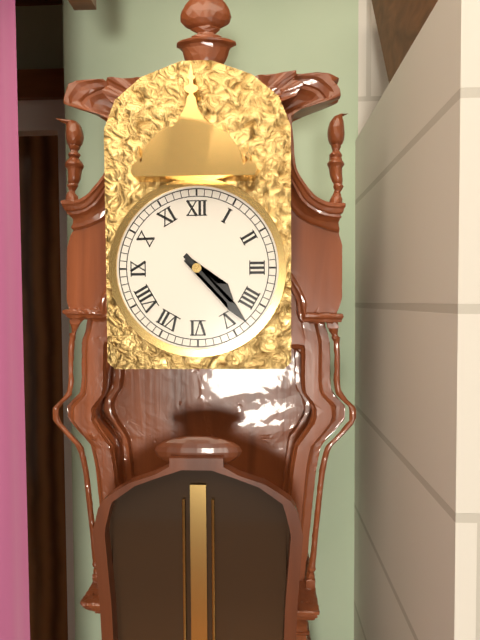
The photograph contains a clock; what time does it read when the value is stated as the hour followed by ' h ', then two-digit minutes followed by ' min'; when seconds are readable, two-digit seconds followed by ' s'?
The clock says 4 h 23 min
